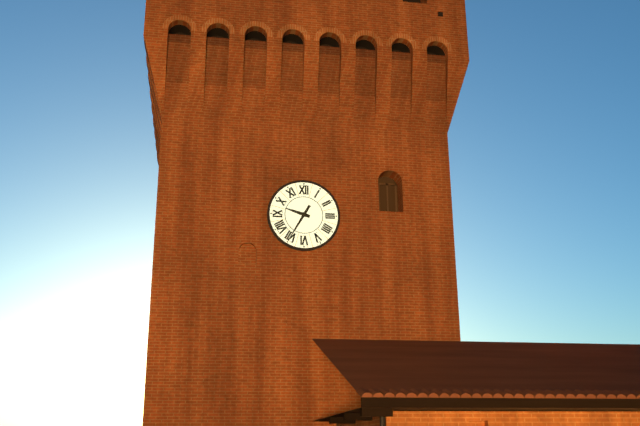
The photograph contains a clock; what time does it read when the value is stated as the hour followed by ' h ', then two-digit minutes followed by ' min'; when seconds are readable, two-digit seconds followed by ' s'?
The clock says 9 h 35 min
